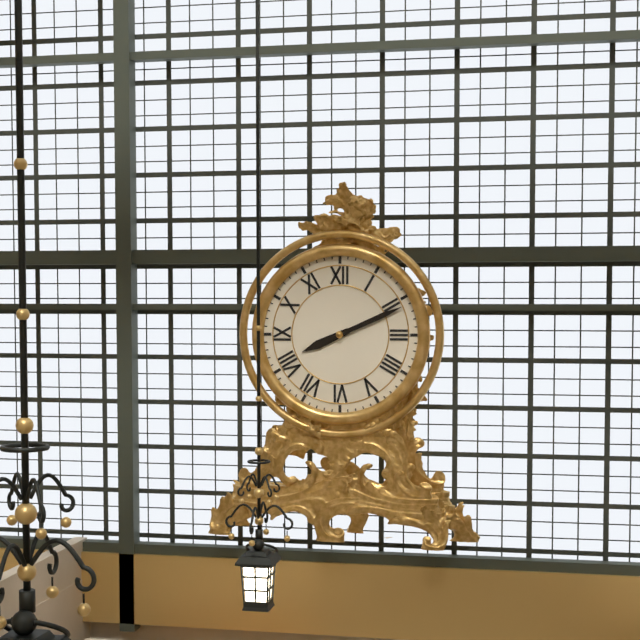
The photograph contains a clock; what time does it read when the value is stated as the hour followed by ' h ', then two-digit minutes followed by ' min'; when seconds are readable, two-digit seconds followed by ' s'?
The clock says 8 h 11 min
